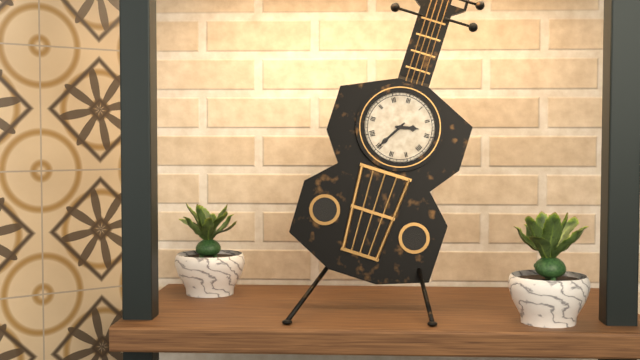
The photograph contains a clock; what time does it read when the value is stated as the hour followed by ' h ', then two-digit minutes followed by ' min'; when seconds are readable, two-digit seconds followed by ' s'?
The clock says 2 h 35 min
